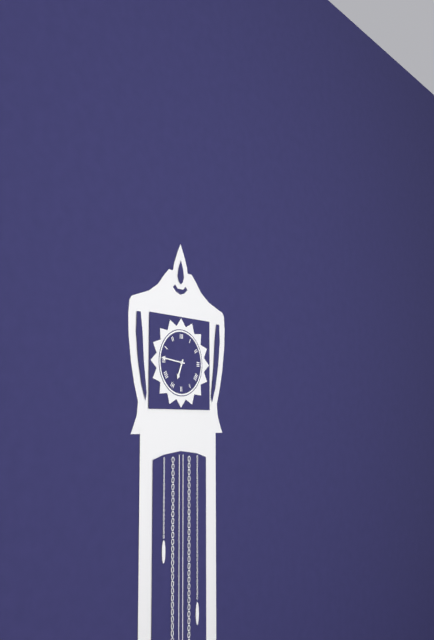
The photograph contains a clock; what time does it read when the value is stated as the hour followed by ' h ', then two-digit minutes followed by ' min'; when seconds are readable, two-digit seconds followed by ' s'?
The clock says 6 h 46 min
